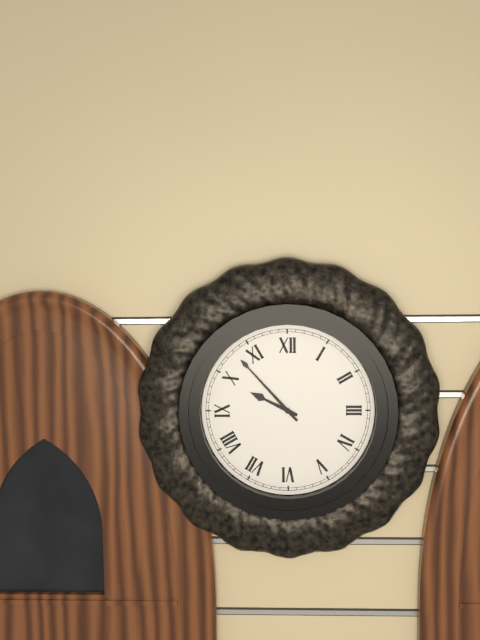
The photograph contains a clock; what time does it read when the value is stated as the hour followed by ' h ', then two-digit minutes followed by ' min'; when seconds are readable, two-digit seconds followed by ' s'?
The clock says 9 h 53 min
